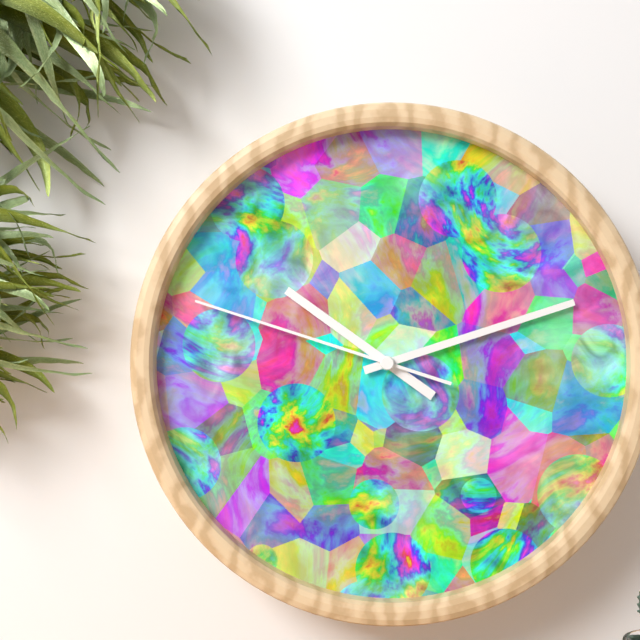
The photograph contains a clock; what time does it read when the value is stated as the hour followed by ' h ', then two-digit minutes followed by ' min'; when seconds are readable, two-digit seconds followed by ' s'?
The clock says 10 h 12 min 48 s
